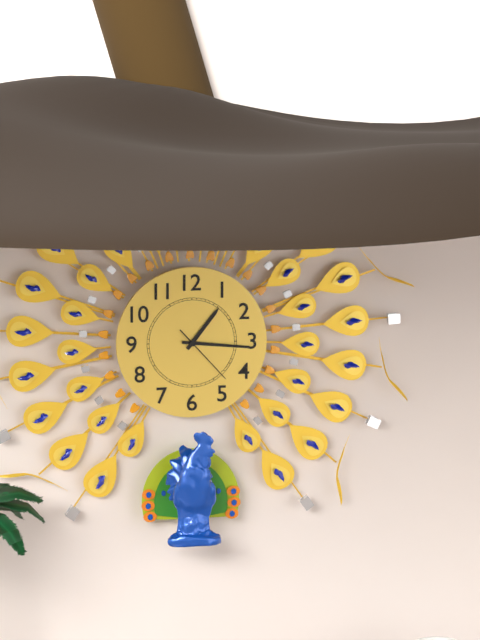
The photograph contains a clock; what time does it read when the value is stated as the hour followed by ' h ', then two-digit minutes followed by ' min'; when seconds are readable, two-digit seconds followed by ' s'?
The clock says 1 h 16 min 23 s
